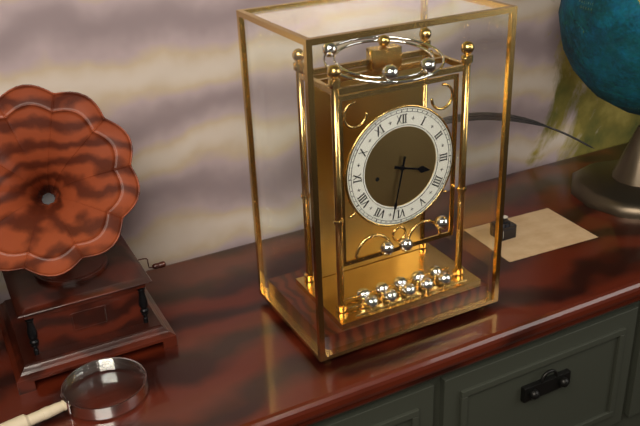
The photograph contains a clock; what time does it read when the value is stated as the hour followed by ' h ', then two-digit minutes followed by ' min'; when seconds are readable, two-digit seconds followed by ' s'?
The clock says 3 h 32 min
